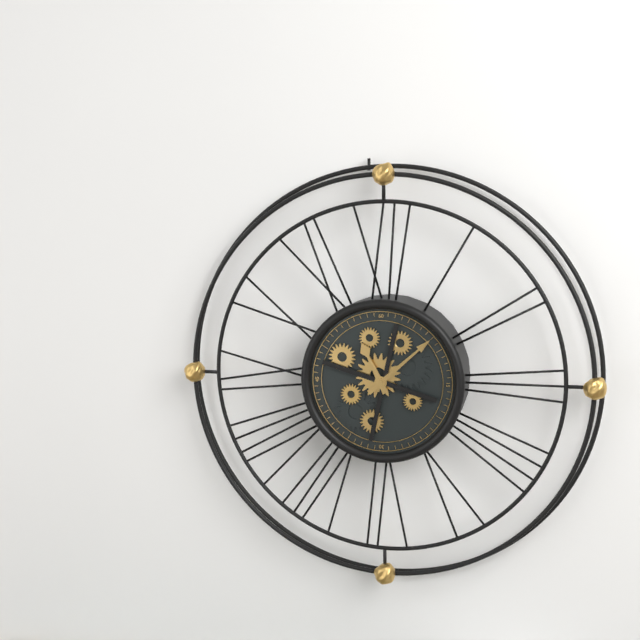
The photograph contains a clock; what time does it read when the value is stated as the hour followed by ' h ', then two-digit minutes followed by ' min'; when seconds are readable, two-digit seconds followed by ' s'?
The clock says 11 h 08 min
